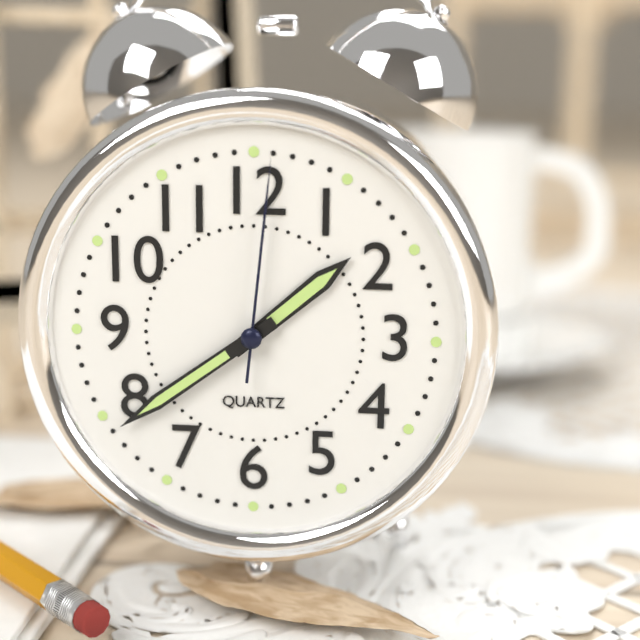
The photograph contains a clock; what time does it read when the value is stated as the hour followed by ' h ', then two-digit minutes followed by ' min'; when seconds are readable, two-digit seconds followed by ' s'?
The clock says 1 h 39 min 01 s
